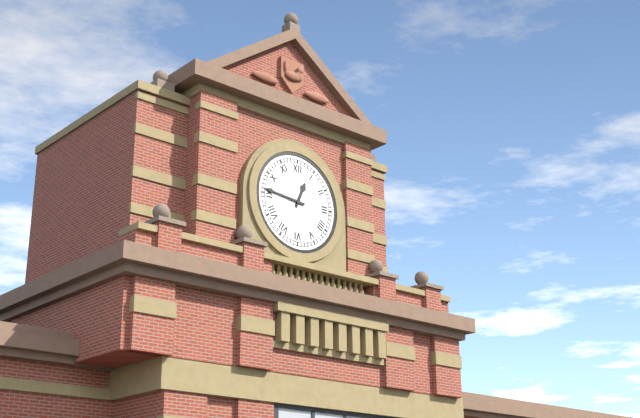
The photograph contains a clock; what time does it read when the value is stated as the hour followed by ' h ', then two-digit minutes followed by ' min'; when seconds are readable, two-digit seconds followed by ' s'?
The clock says 12 h 46 min
